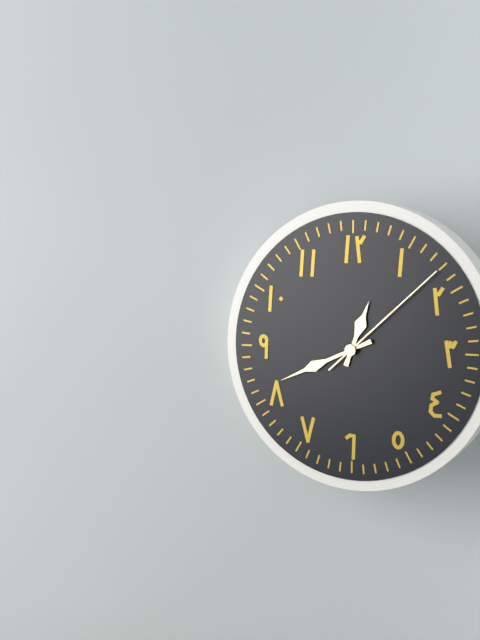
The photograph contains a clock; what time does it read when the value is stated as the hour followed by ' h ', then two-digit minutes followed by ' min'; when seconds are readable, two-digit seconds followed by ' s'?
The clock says 12 h 41 min 08 s
